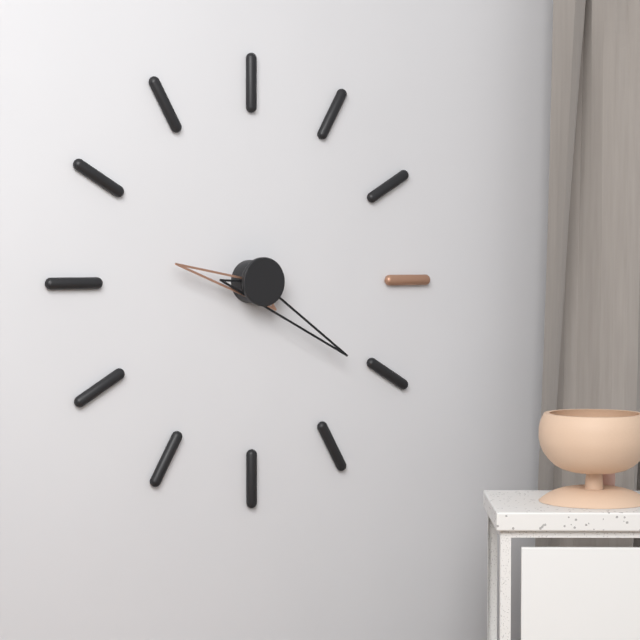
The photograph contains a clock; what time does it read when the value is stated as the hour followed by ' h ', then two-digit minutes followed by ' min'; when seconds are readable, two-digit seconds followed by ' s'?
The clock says 9 h 21 min
